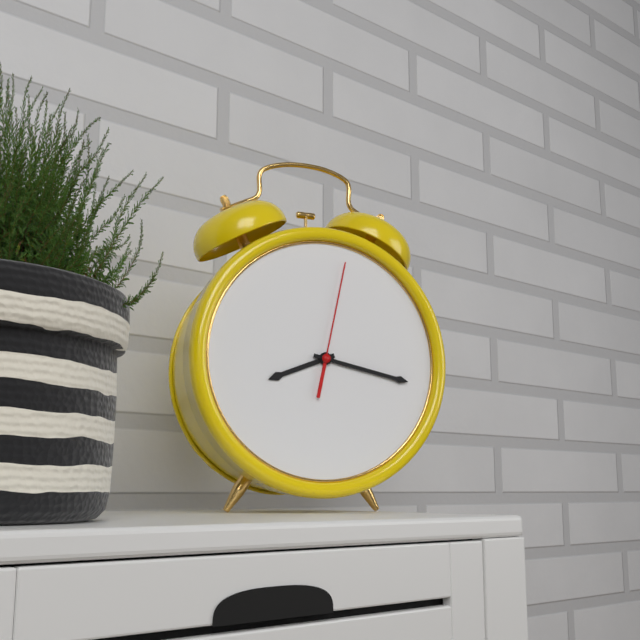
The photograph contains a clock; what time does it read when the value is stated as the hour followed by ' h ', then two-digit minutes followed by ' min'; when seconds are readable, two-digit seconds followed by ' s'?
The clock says 8 h 17 min 02 s
